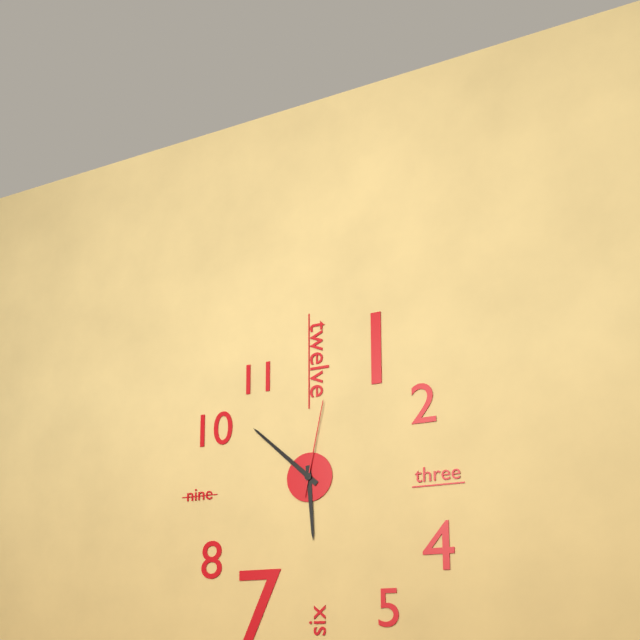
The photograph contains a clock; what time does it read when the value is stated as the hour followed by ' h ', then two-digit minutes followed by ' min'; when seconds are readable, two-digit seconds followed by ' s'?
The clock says 5 h 52 min 02 s
